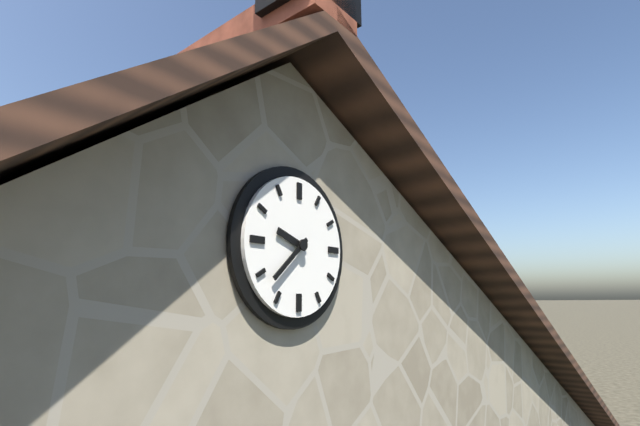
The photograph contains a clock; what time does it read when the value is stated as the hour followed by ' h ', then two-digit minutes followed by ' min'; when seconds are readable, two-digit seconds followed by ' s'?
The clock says 9 h 38 min
